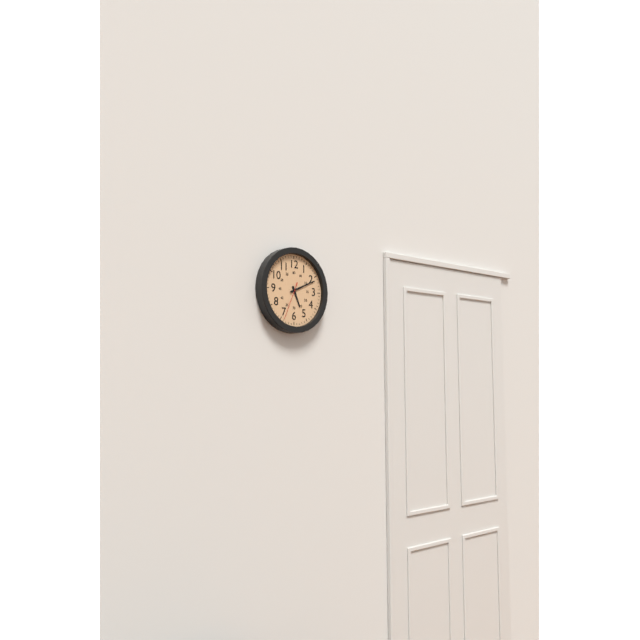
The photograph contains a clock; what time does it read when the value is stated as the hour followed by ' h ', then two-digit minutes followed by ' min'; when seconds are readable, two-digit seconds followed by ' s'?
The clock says 5 h 11 min
